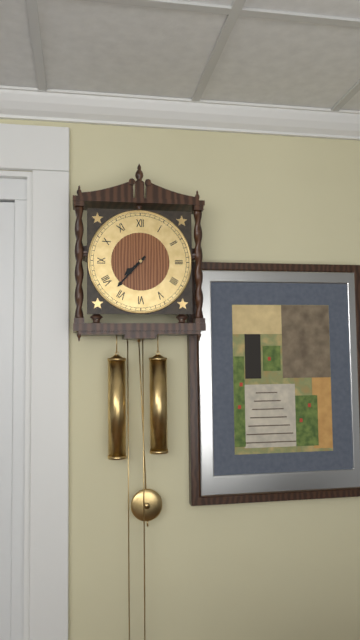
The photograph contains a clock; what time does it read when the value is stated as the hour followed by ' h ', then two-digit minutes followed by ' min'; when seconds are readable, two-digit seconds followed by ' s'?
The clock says 7 h 37 min
